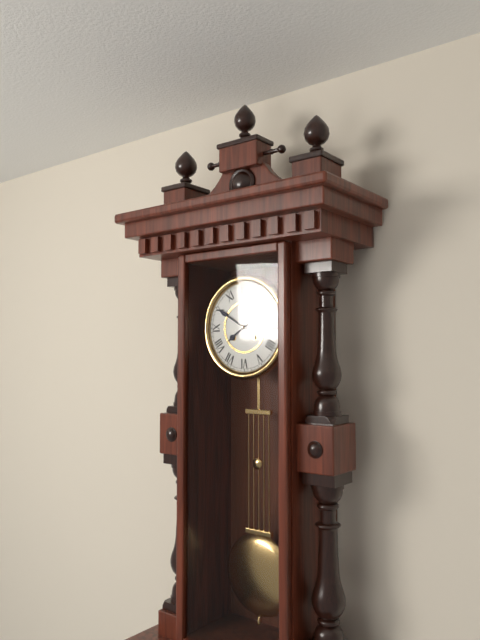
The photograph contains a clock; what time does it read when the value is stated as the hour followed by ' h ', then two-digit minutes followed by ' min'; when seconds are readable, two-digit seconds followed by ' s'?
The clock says 7 h 50 min
